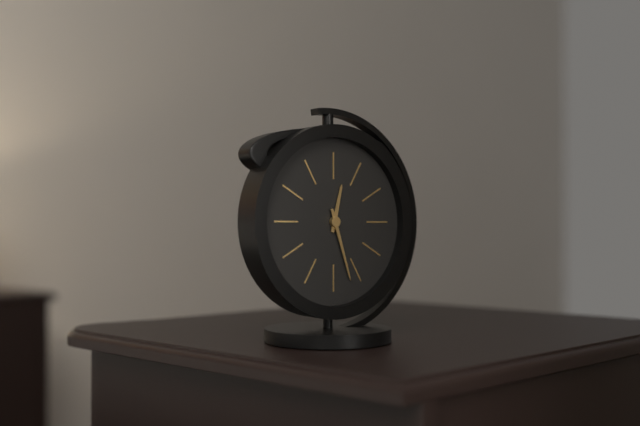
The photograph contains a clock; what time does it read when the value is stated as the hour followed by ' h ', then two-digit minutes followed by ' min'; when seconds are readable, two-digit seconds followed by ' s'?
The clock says 12 h 27 min
